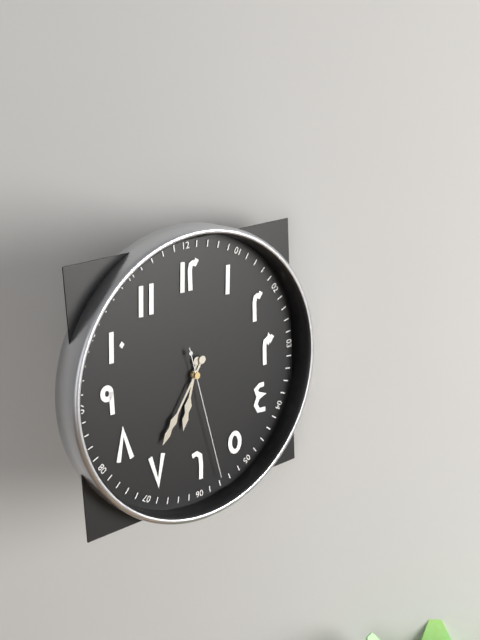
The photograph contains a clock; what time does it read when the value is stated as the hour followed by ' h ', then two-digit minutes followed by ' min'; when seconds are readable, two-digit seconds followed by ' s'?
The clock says 6 h 36 min 28 s
